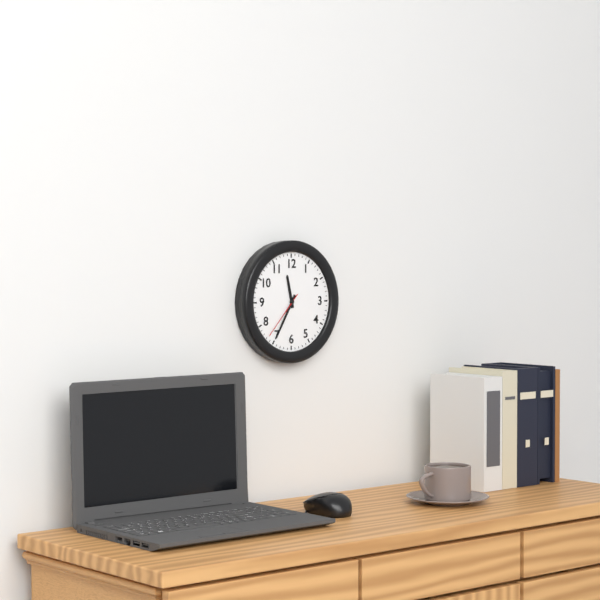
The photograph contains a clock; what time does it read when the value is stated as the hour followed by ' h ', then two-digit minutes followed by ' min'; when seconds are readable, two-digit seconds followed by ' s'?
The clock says 11 h 35 min 37 s
